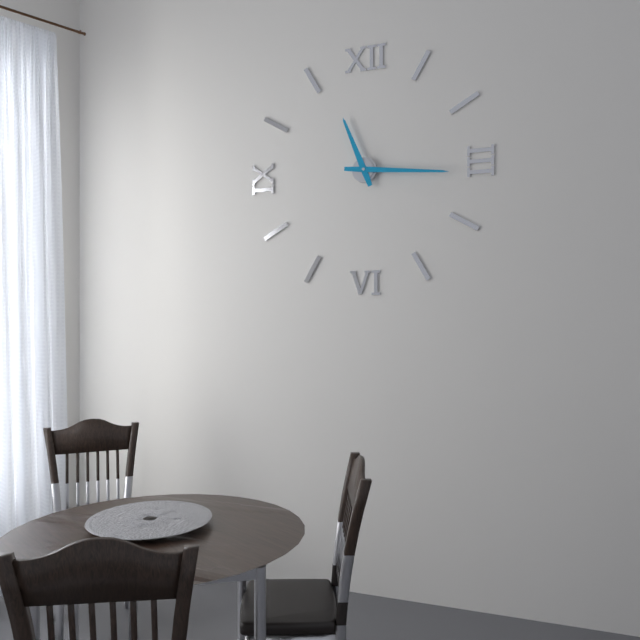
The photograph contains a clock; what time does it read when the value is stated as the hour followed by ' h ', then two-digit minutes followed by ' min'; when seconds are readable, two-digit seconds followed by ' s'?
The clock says 11 h 16 min
